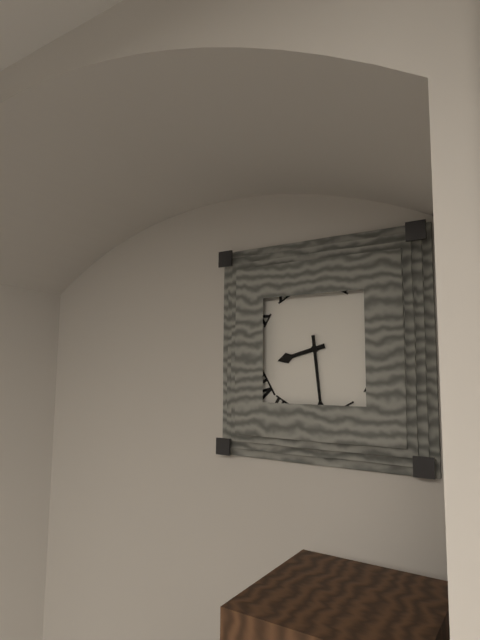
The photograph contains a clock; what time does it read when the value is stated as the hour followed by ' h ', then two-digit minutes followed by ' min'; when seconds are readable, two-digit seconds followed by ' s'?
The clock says 8 h 29 min
